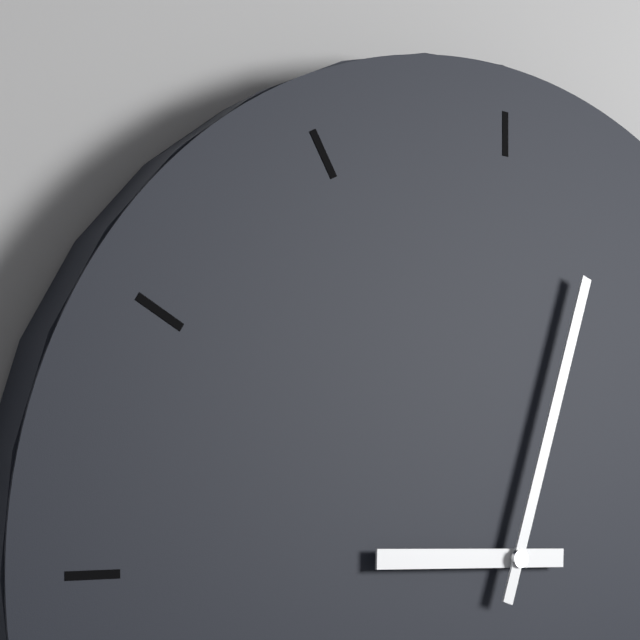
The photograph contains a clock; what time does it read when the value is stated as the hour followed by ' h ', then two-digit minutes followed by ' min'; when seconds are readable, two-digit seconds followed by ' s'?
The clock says 9 h 03 min
